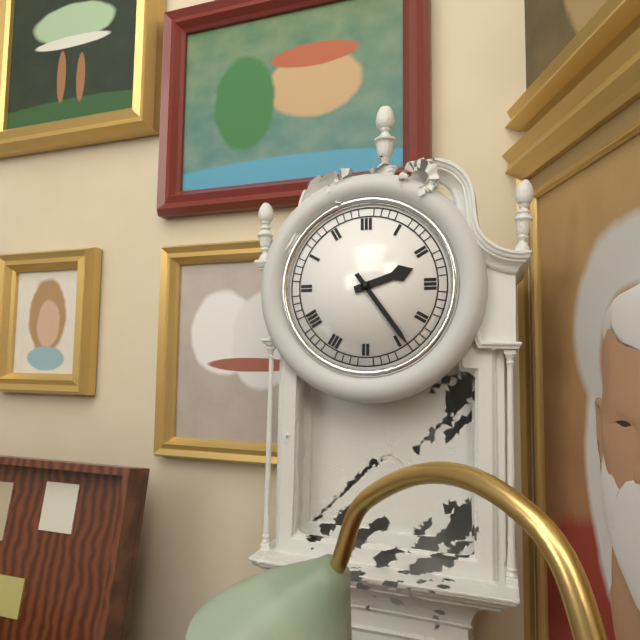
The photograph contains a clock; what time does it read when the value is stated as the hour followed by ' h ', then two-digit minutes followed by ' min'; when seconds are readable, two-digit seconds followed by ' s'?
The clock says 2 h 24 min
